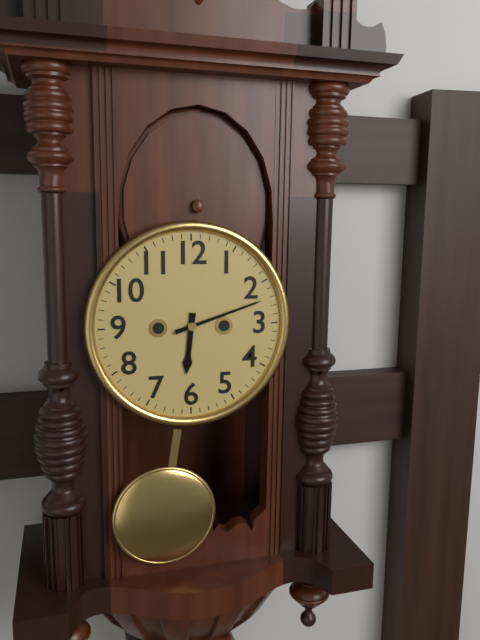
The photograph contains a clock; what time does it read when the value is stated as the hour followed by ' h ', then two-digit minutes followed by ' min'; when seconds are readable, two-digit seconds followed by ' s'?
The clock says 6 h 12 min
